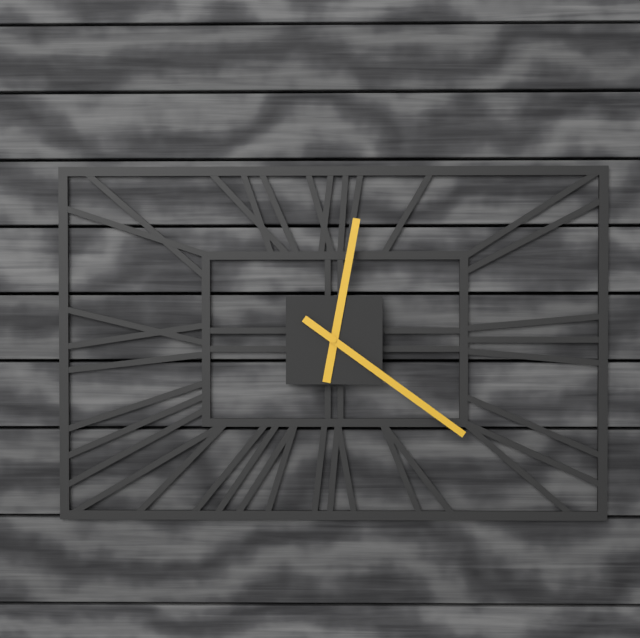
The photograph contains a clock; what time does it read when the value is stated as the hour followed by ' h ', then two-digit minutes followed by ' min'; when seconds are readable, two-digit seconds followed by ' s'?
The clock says 12 h 21 min
